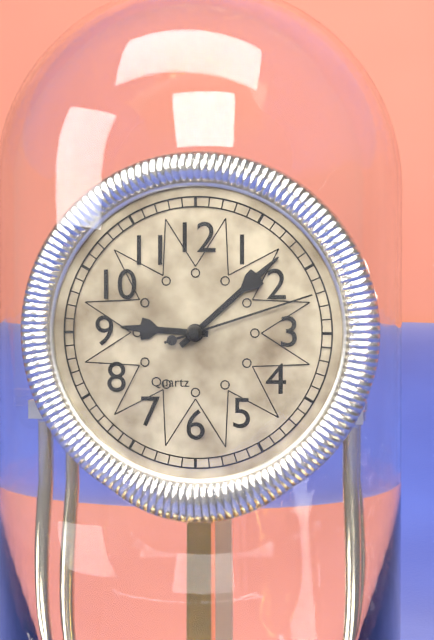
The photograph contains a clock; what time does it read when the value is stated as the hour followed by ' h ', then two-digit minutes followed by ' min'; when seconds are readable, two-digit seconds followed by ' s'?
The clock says 9 h 08 min 12 s
